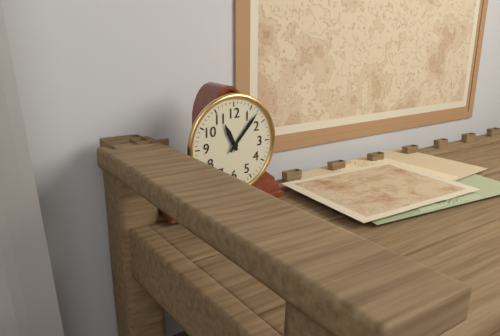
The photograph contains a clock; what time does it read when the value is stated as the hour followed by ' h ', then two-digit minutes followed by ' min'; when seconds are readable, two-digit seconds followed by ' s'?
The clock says 11 h 07 min
